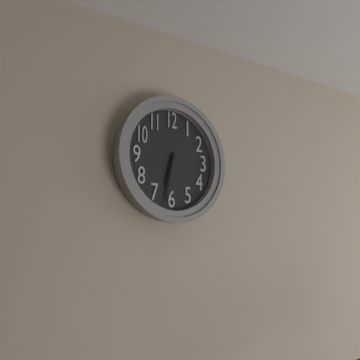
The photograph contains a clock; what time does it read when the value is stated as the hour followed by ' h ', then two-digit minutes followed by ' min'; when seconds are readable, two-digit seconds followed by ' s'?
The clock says 6 h 32 min
